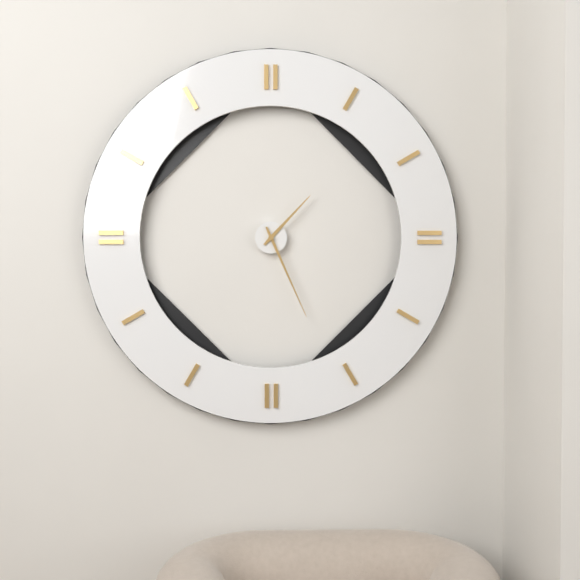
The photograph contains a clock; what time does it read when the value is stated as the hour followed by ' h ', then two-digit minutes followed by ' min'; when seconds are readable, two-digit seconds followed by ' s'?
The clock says 1 h 26 min
